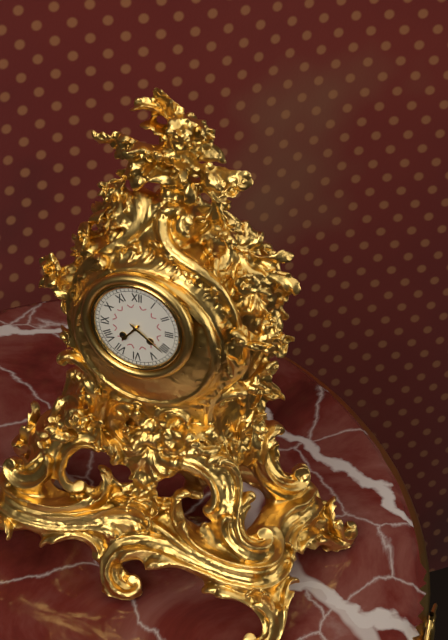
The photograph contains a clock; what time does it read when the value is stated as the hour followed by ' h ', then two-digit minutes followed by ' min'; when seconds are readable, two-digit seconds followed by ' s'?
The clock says 7 h 21 min
